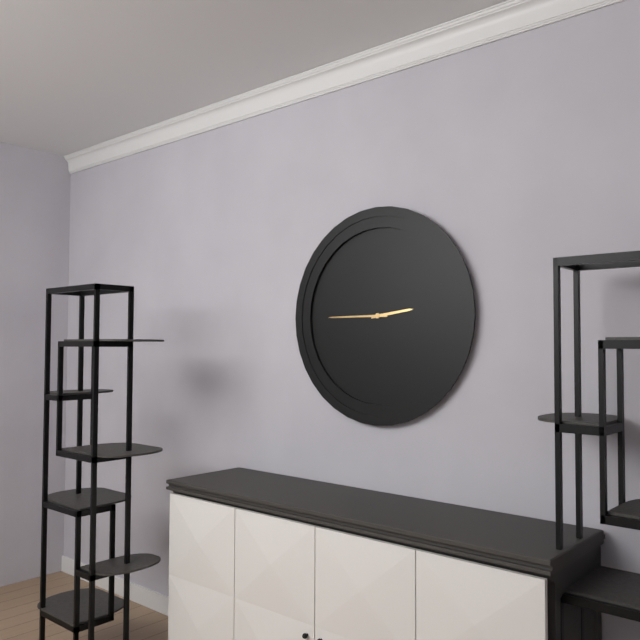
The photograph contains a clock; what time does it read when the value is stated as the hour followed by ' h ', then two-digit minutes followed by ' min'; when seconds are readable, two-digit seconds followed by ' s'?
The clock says 2 h 45 min
